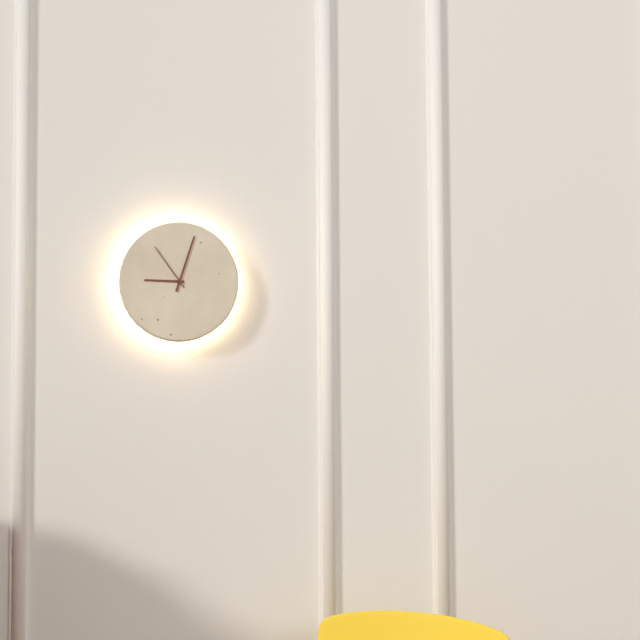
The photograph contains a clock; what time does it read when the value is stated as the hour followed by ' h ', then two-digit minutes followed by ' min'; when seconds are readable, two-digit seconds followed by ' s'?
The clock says 9 h 03 min 54 s
